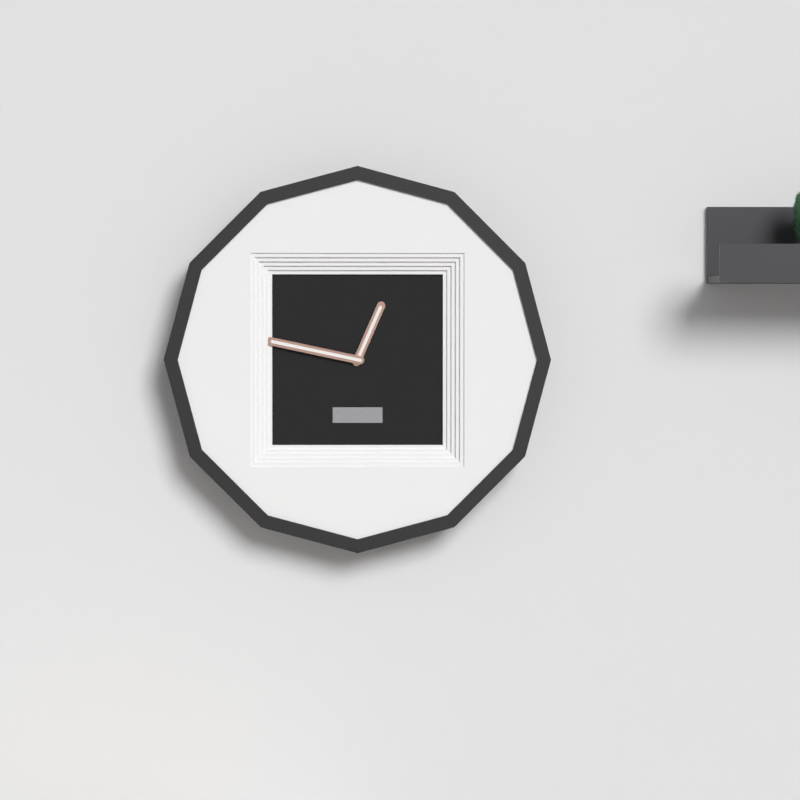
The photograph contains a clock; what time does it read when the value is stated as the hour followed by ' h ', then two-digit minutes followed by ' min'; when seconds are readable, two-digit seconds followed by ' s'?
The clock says 12 h 47 min
